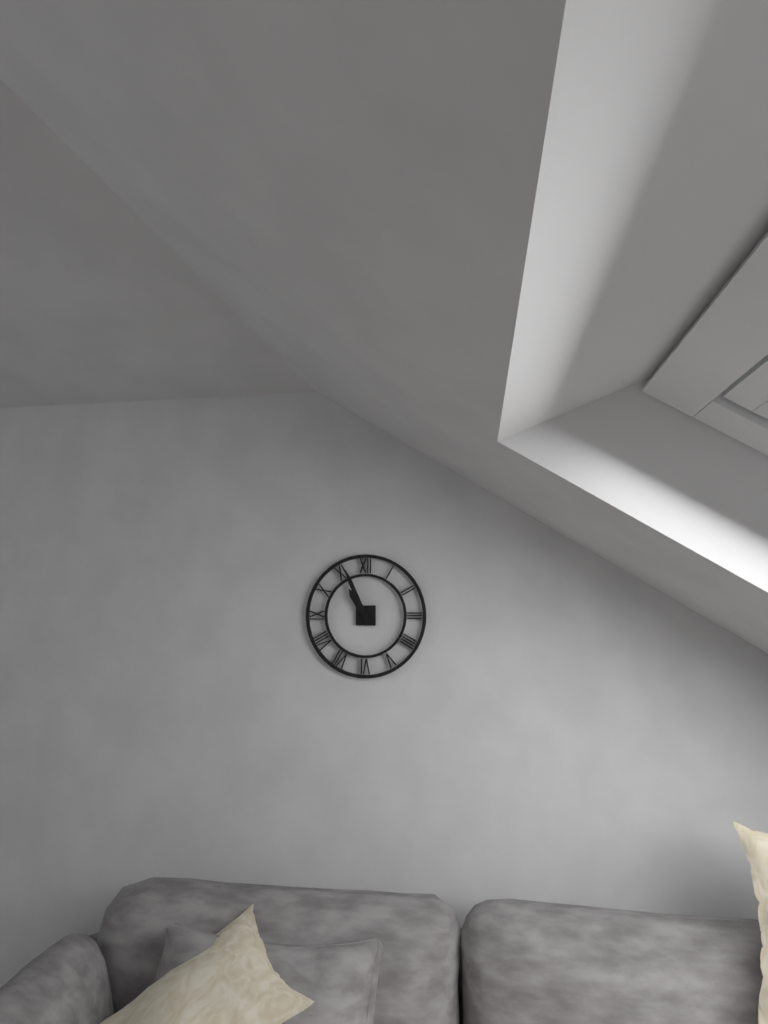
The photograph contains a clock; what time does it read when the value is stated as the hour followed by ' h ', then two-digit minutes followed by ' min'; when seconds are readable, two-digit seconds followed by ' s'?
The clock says 10 h 56 min
